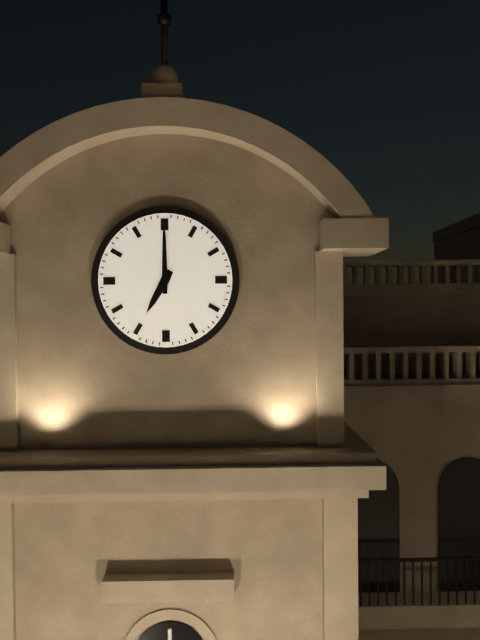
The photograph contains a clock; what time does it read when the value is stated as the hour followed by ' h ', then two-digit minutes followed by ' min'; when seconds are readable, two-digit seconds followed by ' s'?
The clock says 7 h 00 min
